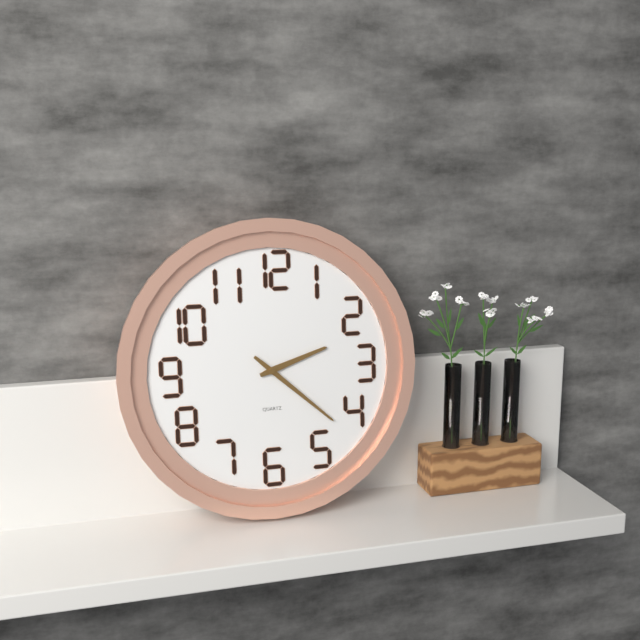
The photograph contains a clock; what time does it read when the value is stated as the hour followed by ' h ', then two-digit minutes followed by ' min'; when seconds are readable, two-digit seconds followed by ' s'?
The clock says 2 h 22 min
